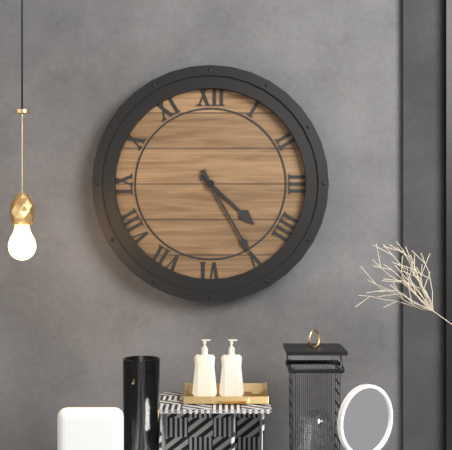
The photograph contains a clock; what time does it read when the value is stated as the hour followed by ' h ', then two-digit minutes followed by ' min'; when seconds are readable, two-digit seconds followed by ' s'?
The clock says 4 h 25 min
